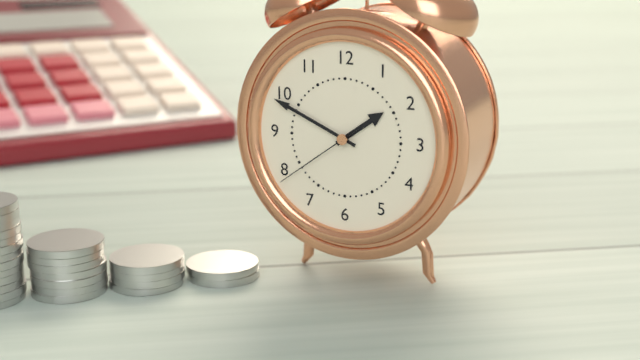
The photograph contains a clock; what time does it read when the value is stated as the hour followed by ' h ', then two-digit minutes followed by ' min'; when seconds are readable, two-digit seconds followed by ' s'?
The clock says 1 h 49 min 39 s
